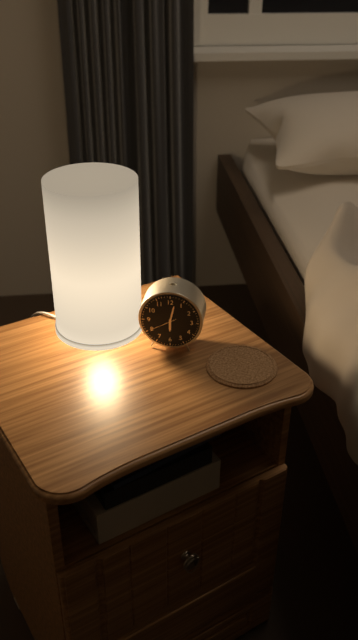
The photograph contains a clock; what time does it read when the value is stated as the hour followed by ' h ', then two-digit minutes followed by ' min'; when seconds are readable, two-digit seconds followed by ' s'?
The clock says 6 h 02 min
